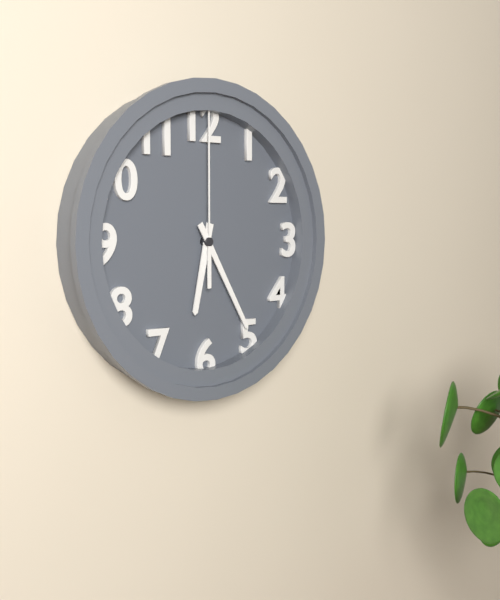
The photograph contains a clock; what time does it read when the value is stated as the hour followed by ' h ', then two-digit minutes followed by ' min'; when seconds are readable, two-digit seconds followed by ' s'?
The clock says 6 h 25 min 00 s
